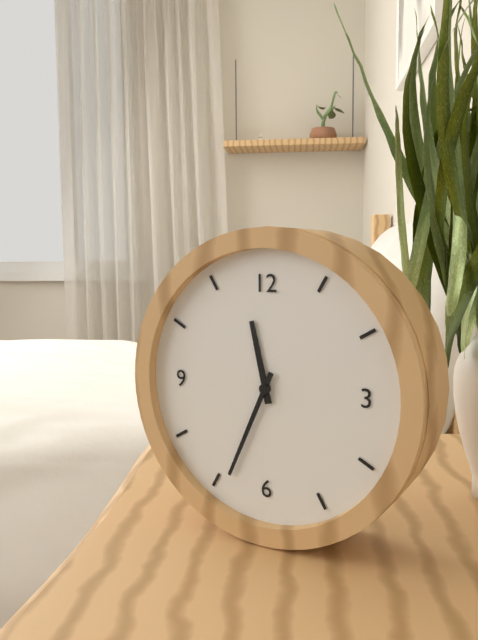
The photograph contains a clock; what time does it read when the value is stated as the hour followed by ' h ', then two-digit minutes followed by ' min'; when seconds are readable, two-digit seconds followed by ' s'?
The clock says 11 h 34 min
